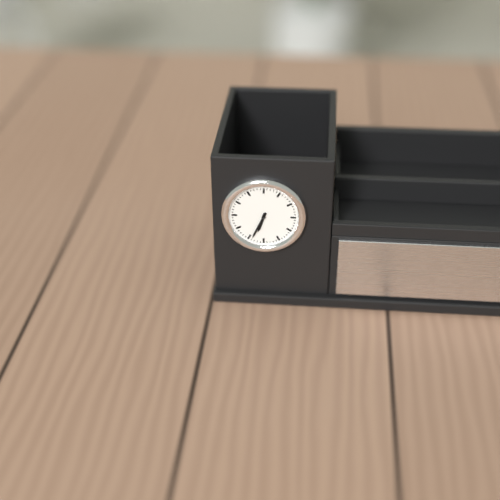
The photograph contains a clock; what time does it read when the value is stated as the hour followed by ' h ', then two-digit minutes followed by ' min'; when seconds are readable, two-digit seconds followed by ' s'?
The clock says 6 h 34 min
